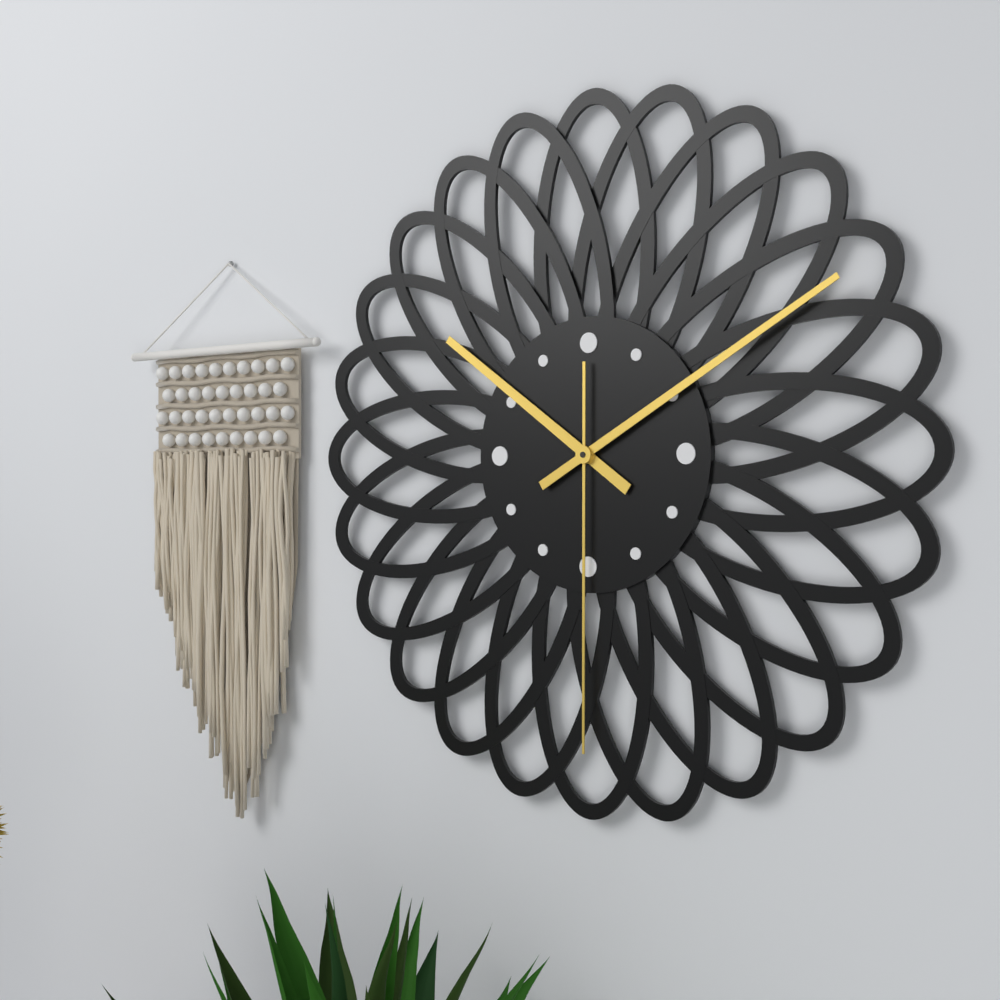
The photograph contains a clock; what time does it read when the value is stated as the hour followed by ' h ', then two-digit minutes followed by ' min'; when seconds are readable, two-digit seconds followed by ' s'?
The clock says 10 h 10 min 30 s
